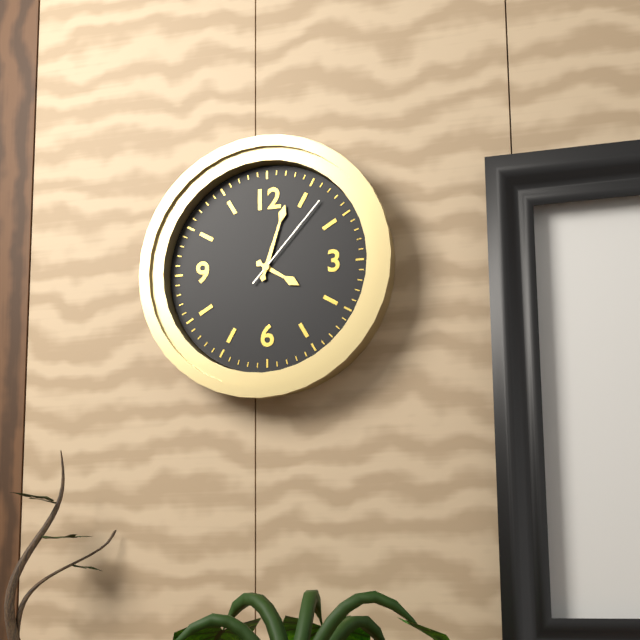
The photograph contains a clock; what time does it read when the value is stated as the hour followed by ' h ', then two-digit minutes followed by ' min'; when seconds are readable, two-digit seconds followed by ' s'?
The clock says 4 h 03 min 07 s
